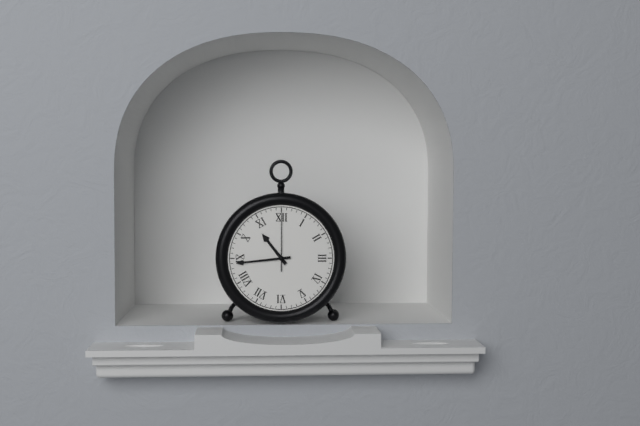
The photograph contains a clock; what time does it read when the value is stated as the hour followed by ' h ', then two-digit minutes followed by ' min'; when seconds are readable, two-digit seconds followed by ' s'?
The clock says 10 h 44 min 00 s
